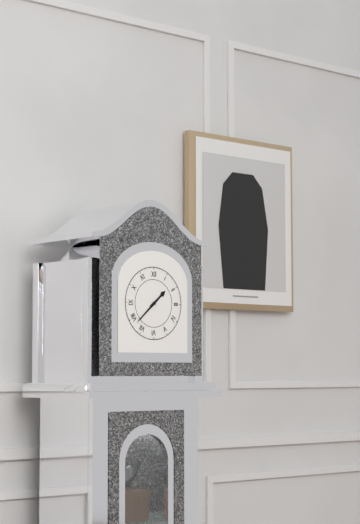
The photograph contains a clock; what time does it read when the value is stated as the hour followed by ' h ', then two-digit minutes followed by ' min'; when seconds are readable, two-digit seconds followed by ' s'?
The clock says 1 h 38 min
